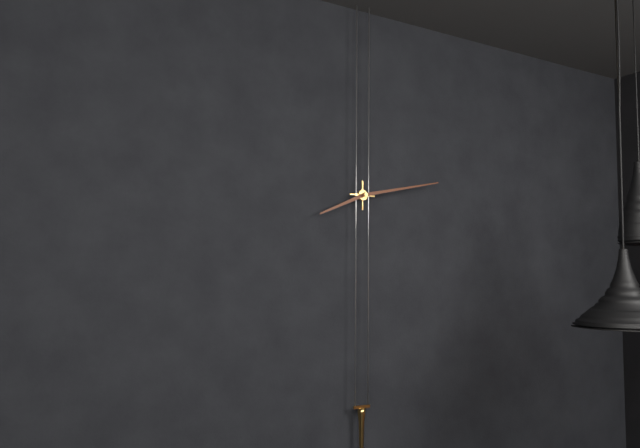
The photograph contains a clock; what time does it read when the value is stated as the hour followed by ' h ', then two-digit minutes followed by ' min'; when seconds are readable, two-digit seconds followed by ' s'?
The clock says 8 h 13 min
